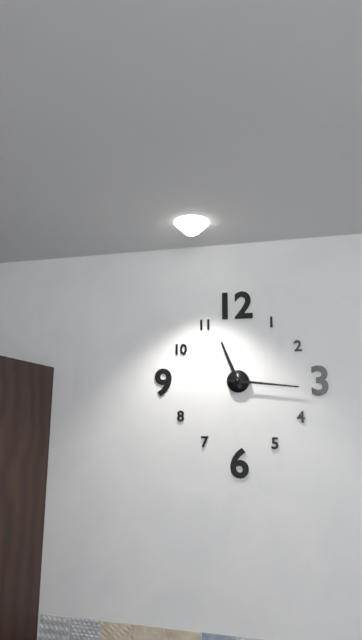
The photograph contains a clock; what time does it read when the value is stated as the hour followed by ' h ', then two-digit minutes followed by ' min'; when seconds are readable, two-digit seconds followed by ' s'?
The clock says 11 h 16 min
